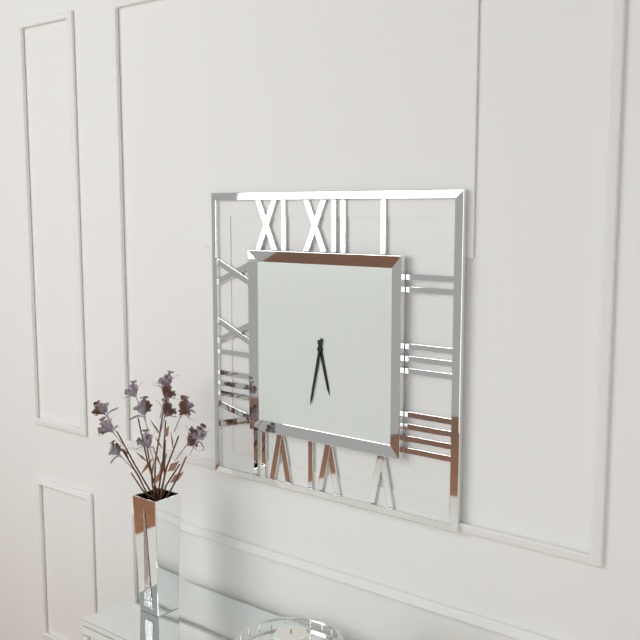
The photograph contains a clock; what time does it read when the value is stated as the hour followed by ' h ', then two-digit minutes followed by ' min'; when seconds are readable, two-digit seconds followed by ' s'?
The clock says 5 h 32 min
